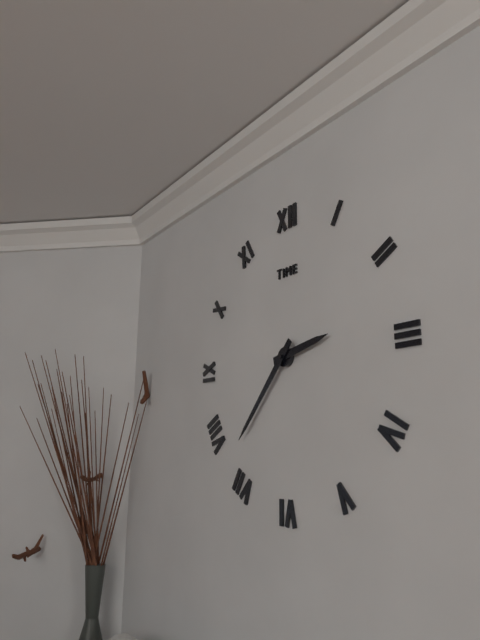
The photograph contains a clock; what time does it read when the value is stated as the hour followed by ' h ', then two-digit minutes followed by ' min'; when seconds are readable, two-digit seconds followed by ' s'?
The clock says 2 h 37 min
